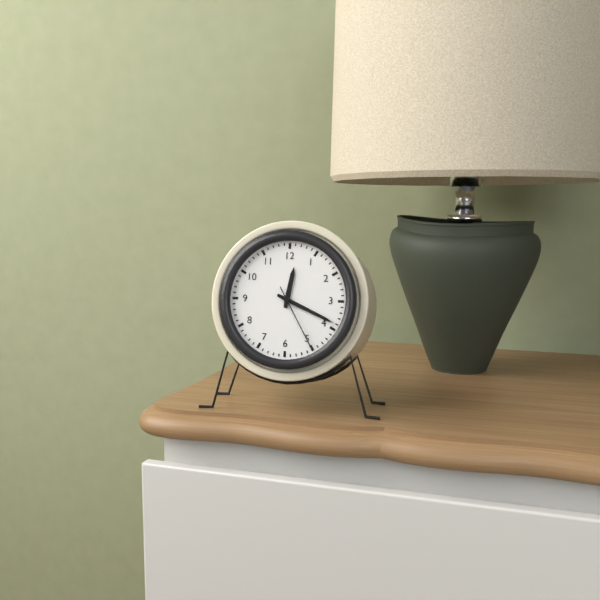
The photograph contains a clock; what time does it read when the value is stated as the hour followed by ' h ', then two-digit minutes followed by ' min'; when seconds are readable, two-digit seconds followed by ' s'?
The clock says 12 h 19 min 25 s
